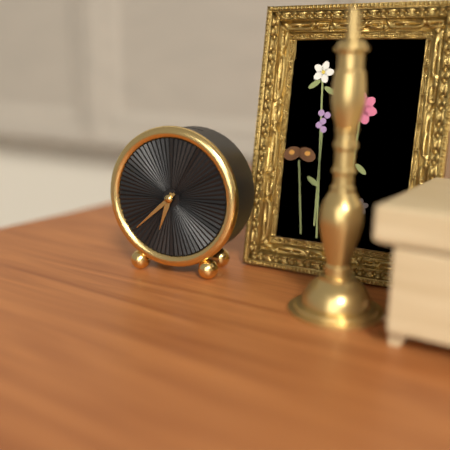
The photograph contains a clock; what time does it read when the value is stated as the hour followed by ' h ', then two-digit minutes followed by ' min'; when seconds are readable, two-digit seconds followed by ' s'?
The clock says 6 h 38 min
